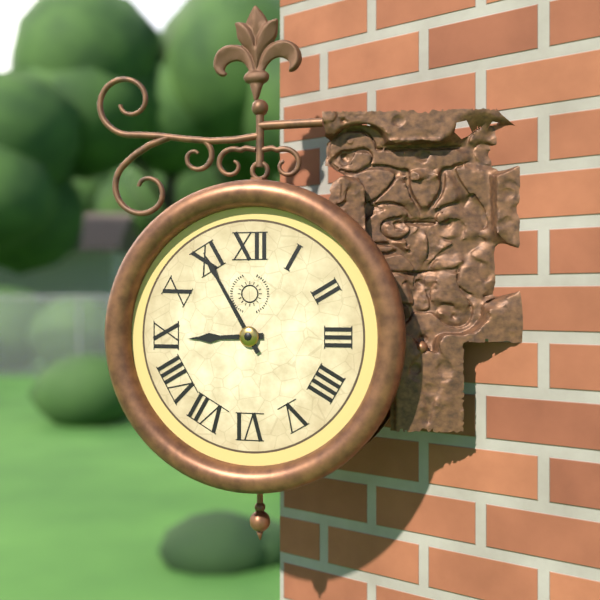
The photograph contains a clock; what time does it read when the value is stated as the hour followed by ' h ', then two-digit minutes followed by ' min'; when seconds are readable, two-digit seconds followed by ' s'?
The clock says 8 h 55 min
